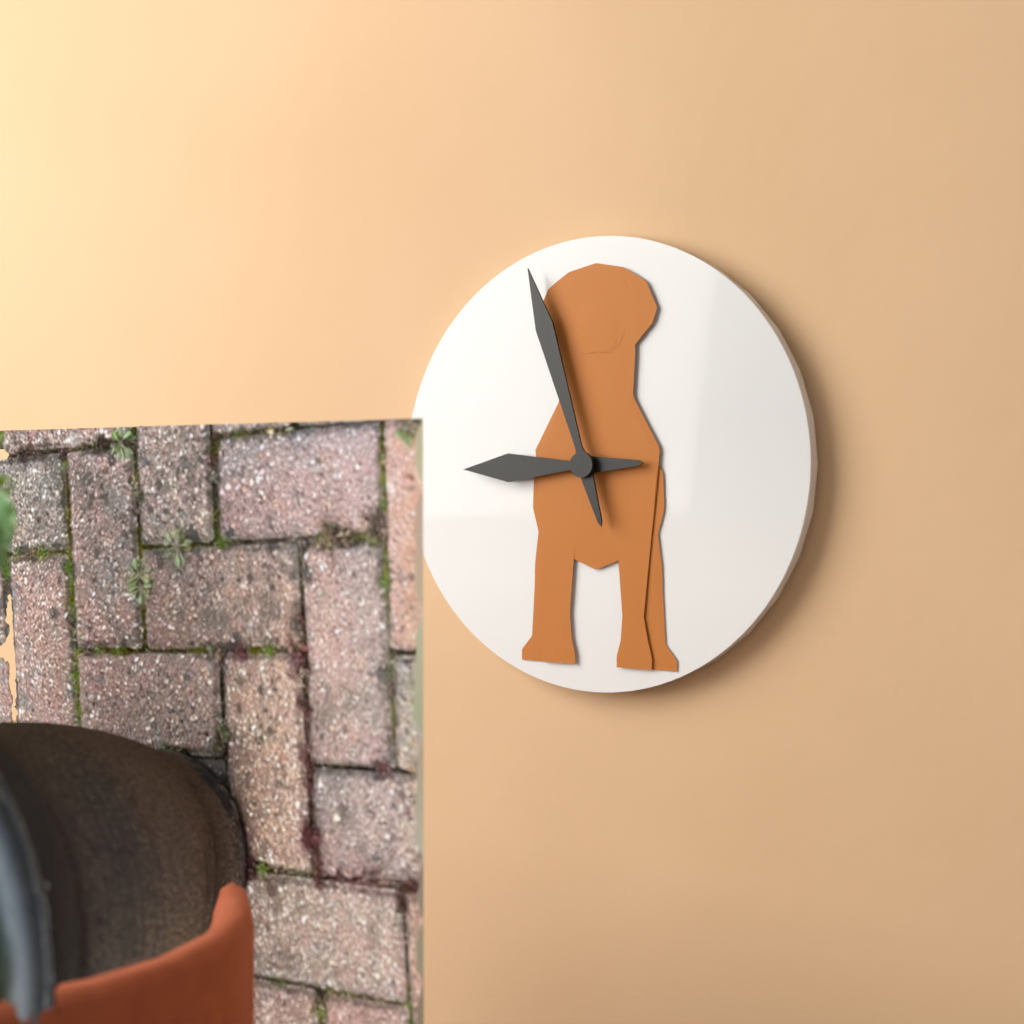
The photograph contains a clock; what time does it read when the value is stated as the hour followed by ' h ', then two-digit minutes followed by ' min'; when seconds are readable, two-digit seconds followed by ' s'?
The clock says 8 h 57 min
